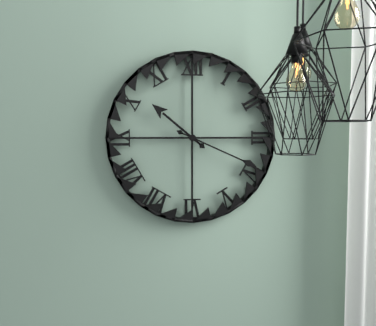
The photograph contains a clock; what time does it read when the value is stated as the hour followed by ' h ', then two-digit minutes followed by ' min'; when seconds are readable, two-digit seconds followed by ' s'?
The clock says 10 h 19 min
